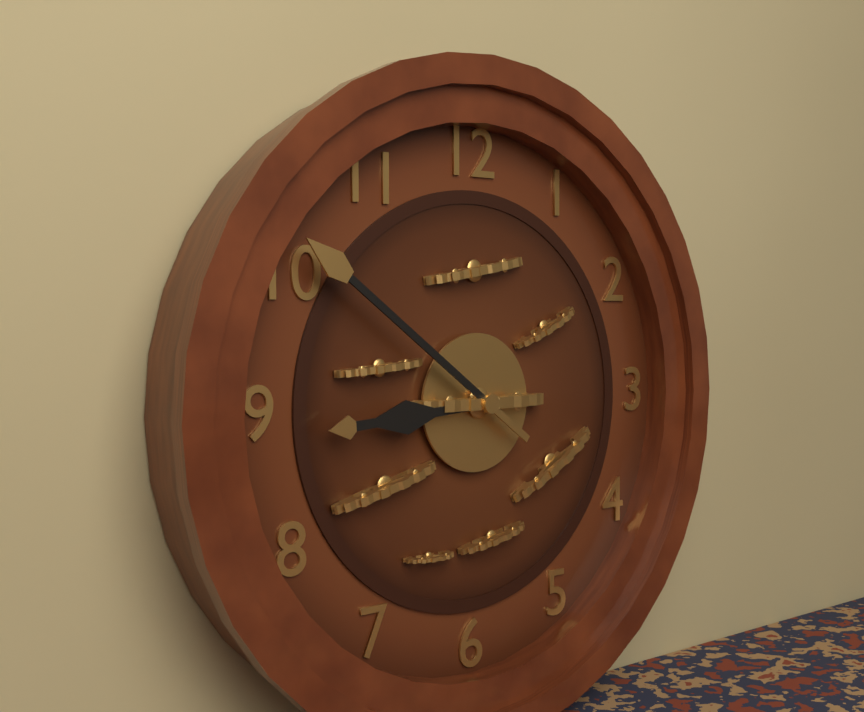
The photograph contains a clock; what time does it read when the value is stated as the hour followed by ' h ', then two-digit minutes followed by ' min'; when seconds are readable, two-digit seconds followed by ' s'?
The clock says 8 h 51 min
